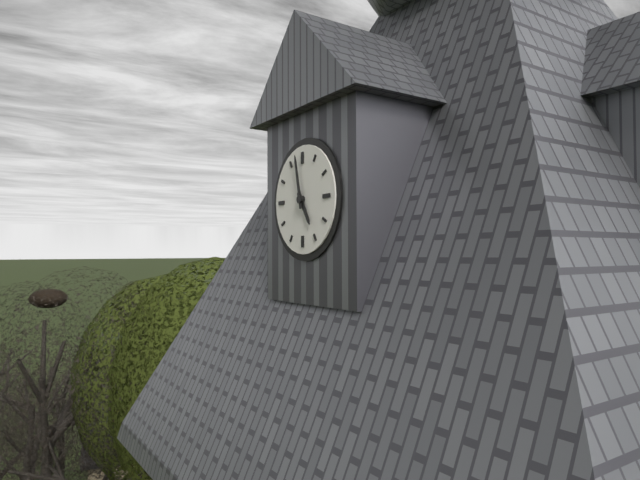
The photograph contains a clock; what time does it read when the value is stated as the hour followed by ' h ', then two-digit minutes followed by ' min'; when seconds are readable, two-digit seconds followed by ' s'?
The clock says 4 h 58 min
